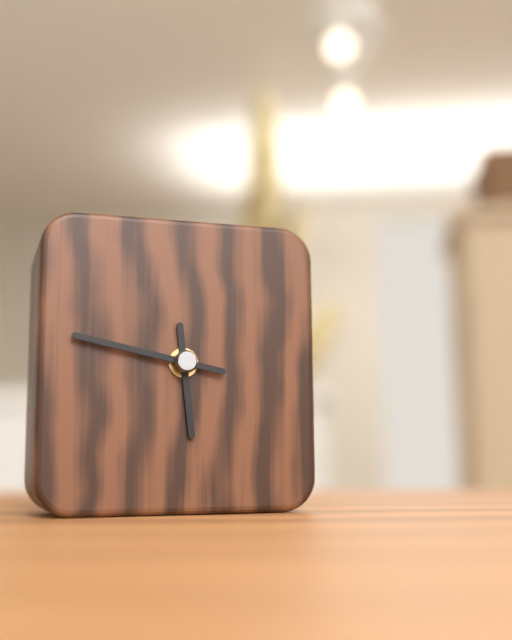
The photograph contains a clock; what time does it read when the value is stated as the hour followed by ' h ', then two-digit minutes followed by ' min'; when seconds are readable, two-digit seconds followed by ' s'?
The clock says 5 h 47 min
